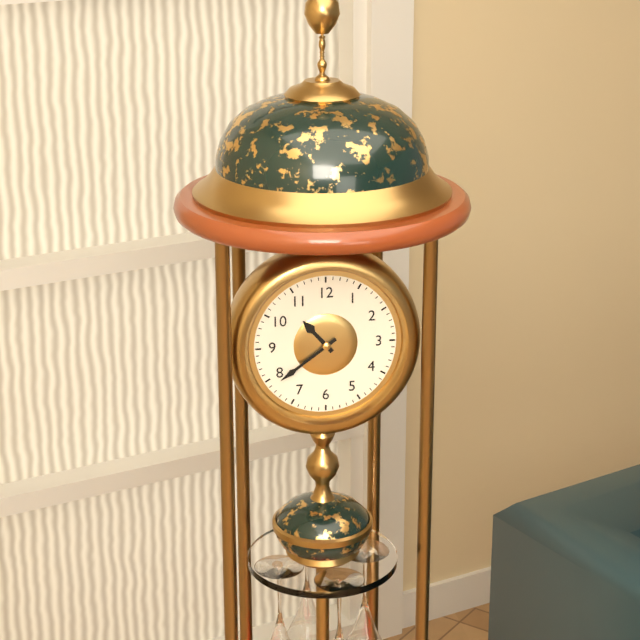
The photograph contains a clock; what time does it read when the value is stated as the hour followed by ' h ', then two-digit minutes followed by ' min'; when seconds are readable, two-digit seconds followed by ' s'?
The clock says 10 h 39 min
